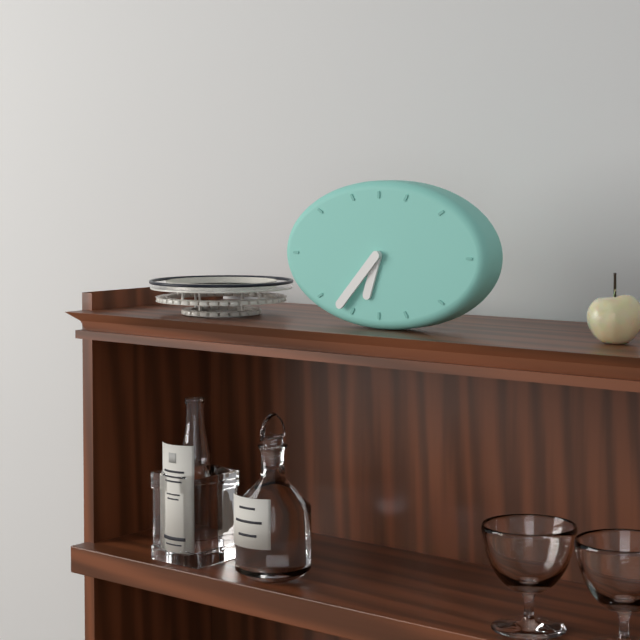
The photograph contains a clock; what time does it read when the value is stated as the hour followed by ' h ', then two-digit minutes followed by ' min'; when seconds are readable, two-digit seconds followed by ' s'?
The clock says 6 h 37 min
